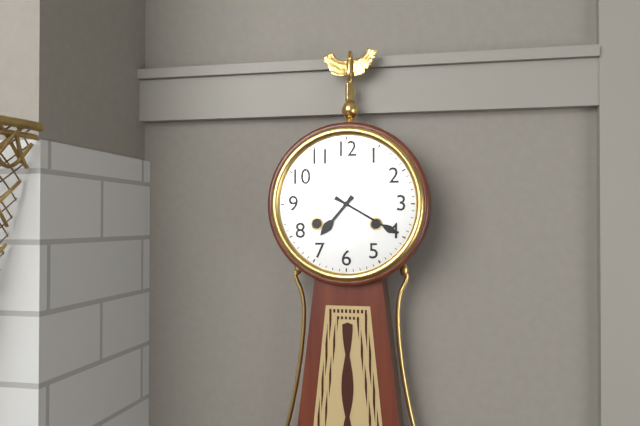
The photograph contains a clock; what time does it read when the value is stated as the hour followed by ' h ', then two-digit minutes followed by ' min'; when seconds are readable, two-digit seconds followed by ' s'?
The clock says 7 h 20 min
